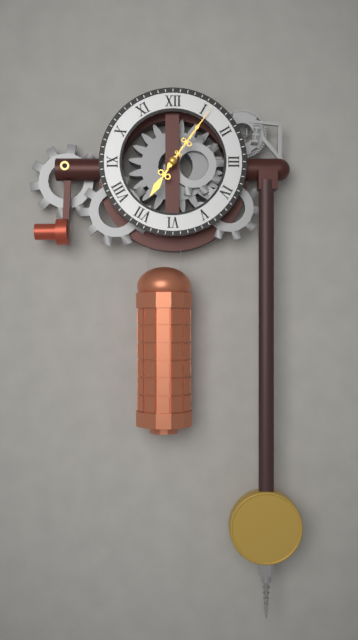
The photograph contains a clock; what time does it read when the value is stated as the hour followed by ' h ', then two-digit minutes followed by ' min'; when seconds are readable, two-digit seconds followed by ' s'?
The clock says 7 h 06 min
